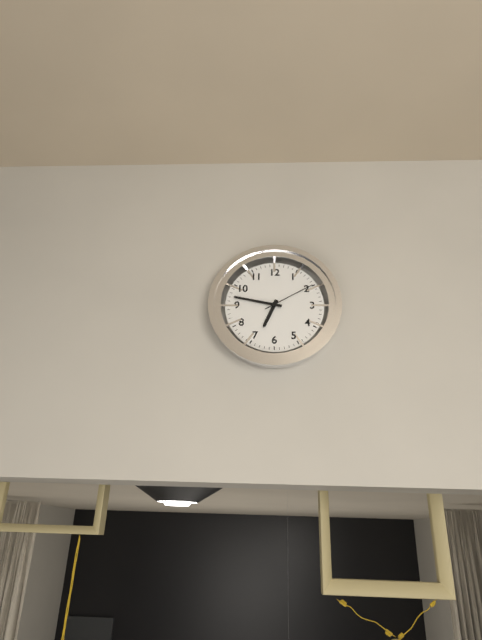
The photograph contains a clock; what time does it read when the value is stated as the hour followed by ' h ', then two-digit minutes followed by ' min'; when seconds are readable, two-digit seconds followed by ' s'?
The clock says 6 h 47 min 10 s
